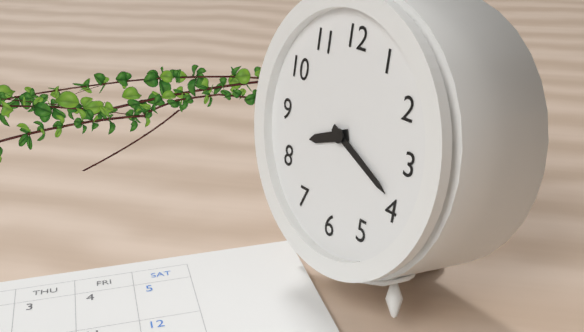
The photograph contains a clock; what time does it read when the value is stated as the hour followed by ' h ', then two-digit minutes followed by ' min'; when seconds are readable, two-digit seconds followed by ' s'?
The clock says 8 h 19 min
